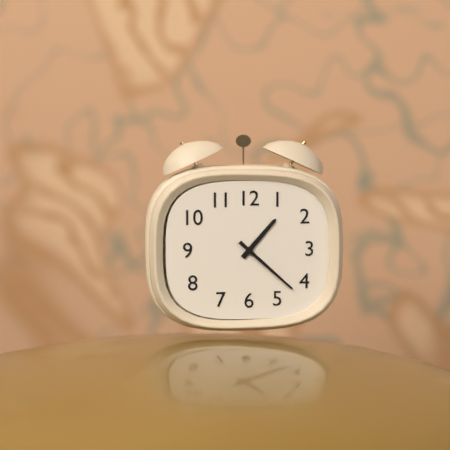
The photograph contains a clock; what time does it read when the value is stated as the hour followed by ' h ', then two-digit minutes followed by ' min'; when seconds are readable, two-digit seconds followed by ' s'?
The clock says 1 h 22 min
